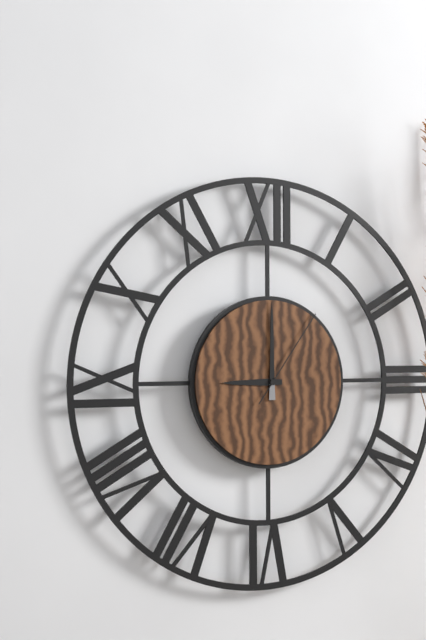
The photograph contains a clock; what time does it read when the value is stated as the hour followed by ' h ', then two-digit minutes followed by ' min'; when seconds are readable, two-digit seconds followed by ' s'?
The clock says 9 h 00 min 06 s
